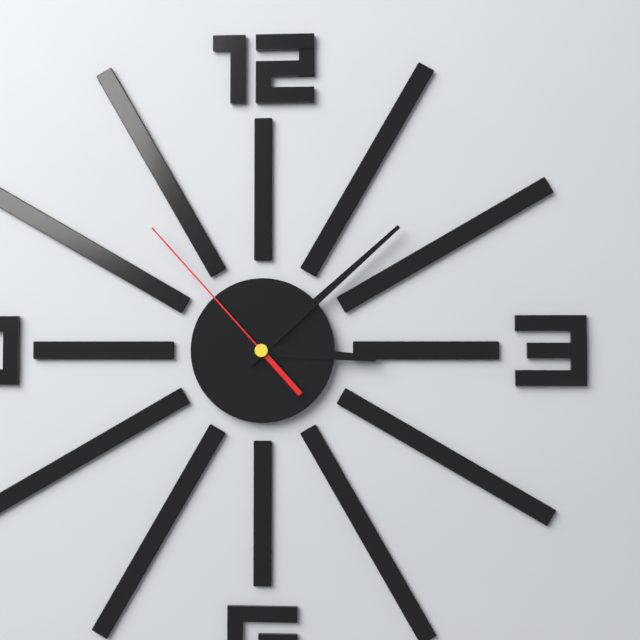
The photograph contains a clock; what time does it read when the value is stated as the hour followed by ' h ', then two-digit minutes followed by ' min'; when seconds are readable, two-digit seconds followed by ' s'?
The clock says 3 h 08 min 53 s
